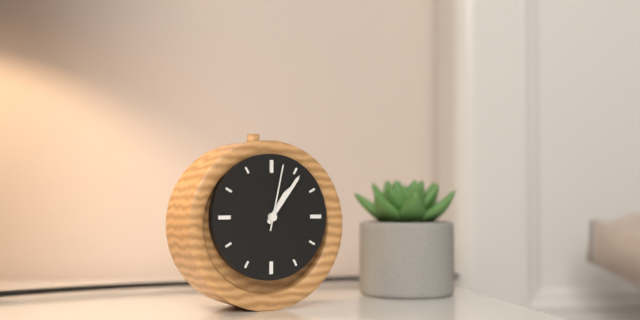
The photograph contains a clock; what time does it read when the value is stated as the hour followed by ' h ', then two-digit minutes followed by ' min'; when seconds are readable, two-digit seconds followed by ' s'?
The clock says 1 h 06 min 02 s
